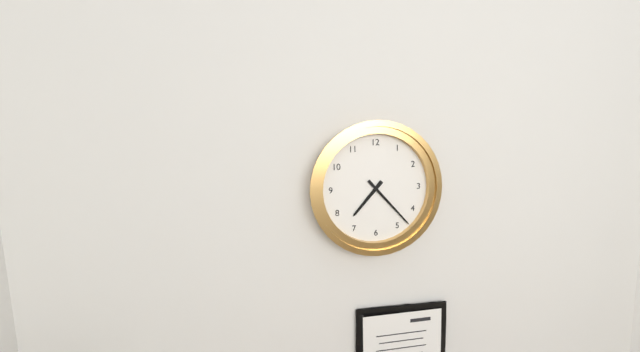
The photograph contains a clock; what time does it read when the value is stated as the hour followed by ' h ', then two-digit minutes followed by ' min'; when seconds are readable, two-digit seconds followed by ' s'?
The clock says 7 h 23 min
